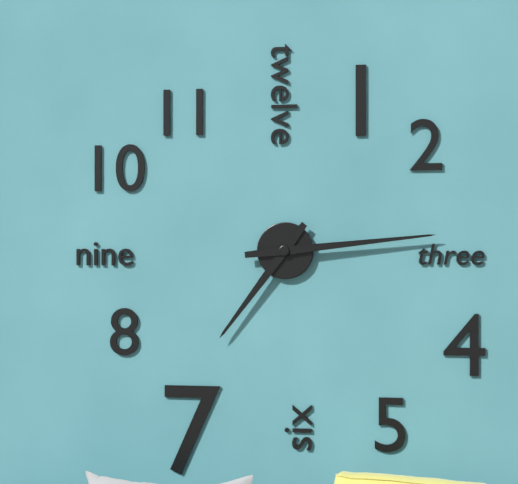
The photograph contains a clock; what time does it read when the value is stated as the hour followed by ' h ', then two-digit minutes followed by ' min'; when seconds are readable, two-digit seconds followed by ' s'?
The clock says 7 h 14 min
